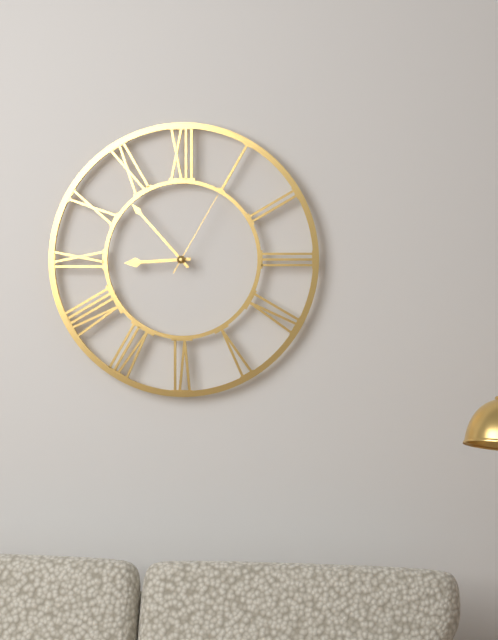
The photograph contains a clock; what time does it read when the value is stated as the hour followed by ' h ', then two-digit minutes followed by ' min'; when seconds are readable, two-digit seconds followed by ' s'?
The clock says 8 h 53 min 05 s
